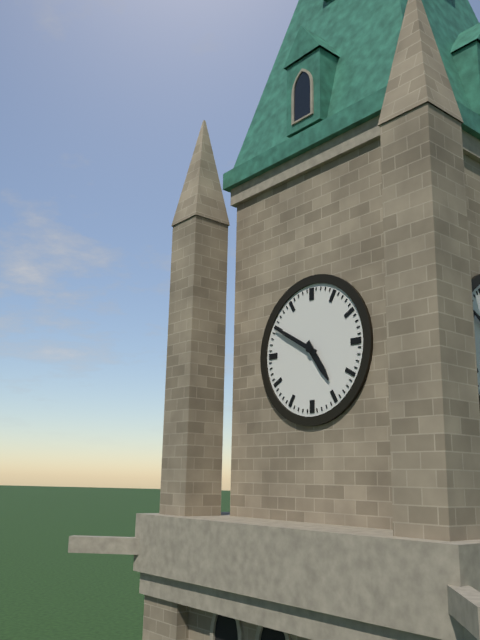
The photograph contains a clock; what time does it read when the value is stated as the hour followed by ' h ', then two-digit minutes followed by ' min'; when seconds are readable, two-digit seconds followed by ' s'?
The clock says 4 h 50 min
